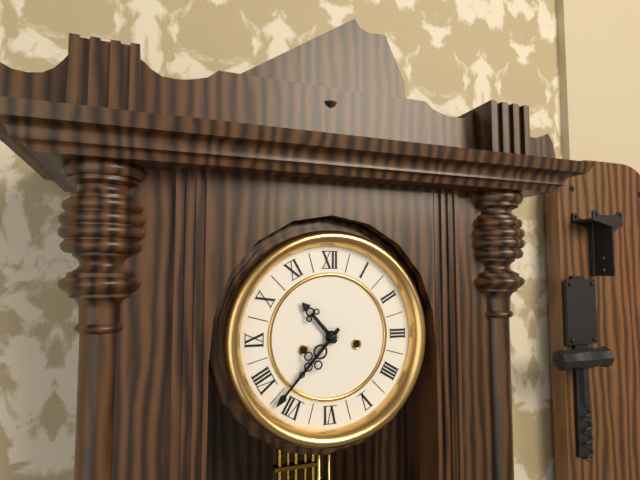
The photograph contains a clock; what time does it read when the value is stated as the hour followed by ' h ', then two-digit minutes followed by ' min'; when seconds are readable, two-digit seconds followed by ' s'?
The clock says 10 h 37 min
